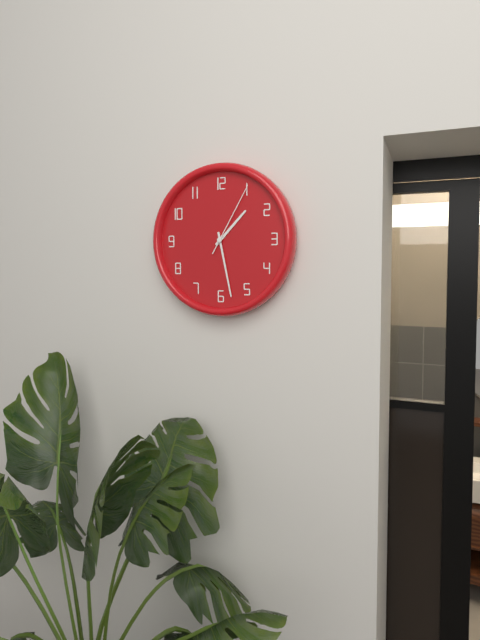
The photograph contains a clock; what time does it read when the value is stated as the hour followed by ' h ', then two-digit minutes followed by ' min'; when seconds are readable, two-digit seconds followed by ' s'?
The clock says 1 h 28 min 05 s
